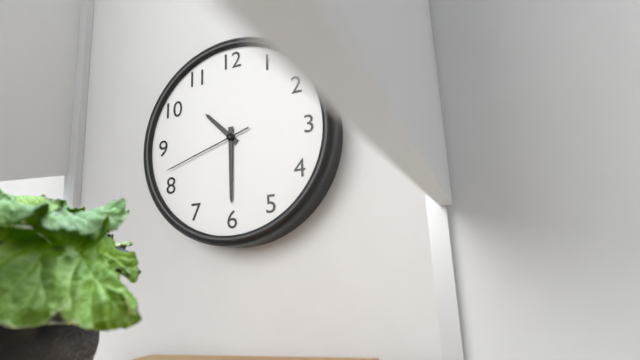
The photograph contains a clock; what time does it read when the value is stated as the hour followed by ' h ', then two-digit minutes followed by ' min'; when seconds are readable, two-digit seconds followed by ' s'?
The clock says 10 h 30 min 42 s
